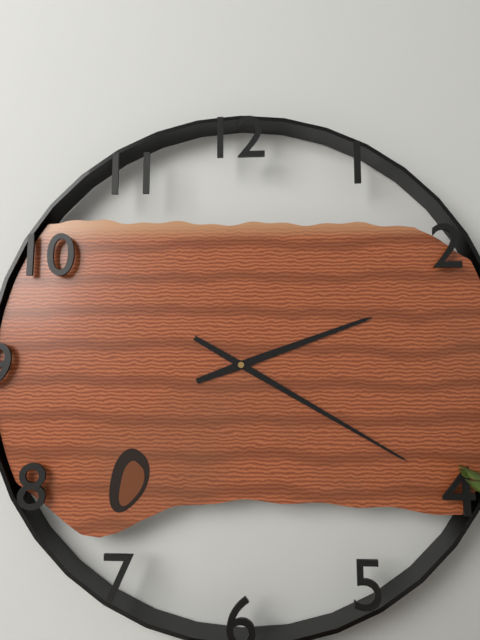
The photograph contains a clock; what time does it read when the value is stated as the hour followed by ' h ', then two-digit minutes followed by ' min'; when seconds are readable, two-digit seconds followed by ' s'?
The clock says 2 h 20 min
